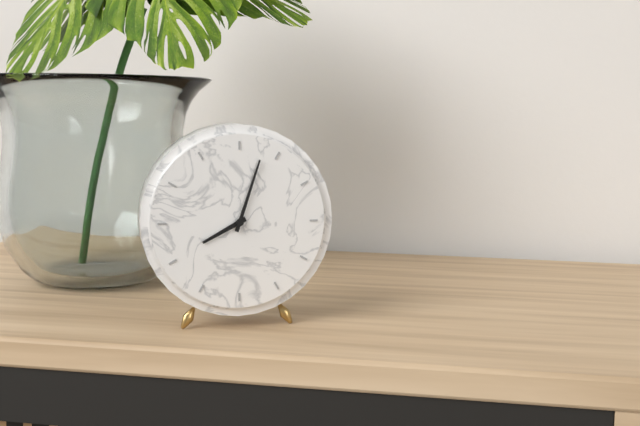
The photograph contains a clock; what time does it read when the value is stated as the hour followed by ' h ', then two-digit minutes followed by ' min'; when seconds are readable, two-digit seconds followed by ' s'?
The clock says 8 h 03 min
